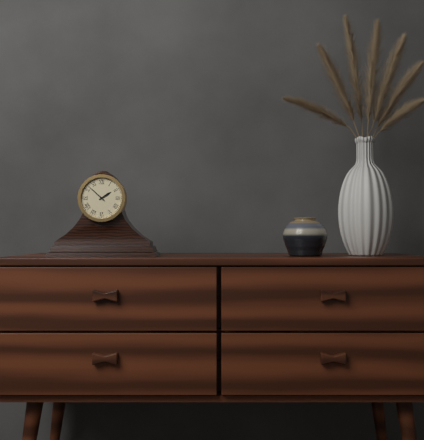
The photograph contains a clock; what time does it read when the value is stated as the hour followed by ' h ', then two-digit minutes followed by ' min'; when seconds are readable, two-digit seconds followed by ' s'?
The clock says 1 h 52 min
